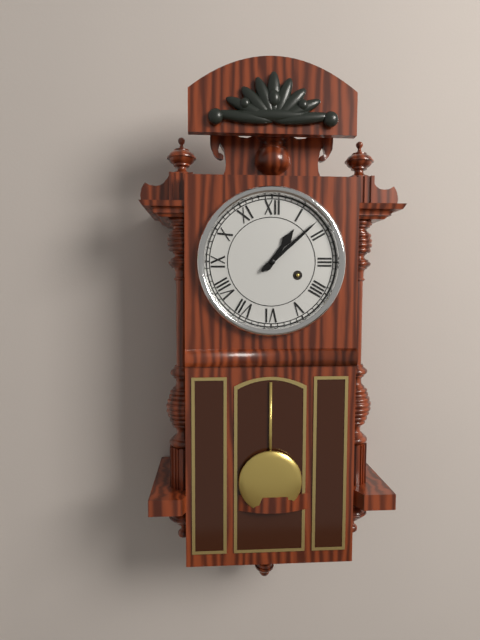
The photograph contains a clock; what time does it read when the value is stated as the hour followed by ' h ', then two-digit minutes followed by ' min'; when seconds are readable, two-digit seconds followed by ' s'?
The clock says 1 h 08 min
